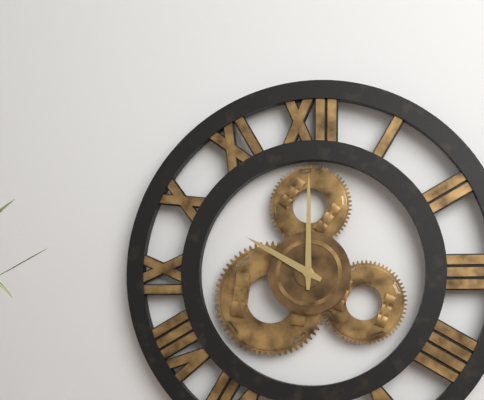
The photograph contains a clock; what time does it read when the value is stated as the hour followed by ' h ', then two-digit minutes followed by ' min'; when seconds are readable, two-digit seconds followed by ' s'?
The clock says 10 h 00 min
